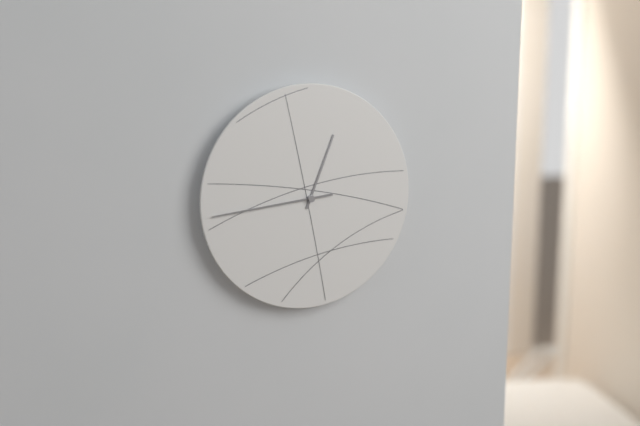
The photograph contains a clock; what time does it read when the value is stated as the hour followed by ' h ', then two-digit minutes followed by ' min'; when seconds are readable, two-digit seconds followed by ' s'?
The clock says 12 h 44 min
